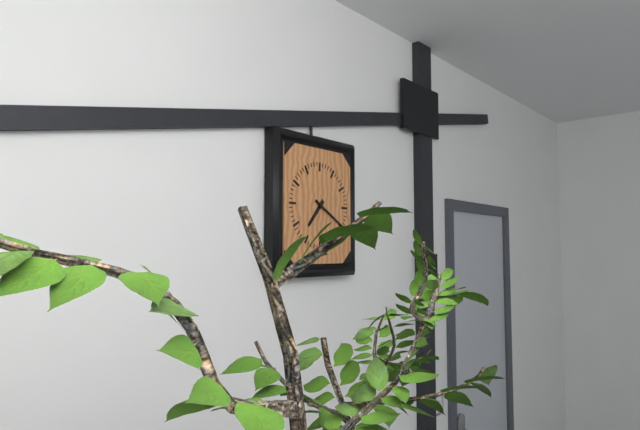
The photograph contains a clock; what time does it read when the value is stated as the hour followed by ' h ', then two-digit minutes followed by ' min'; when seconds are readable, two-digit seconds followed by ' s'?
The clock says 7 h 20 min
